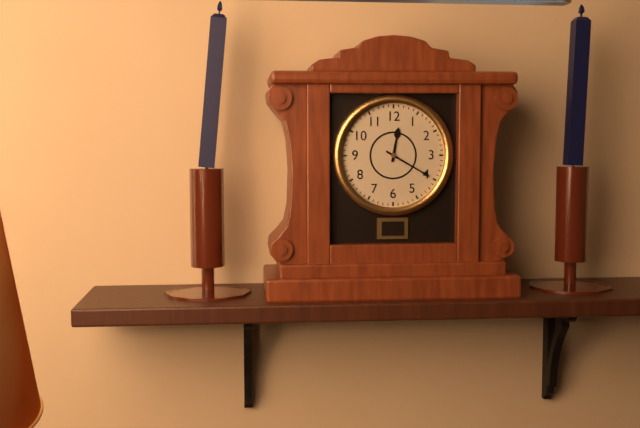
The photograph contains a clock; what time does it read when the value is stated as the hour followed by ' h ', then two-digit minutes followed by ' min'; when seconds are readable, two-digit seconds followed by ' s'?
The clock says 12 h 20 min
